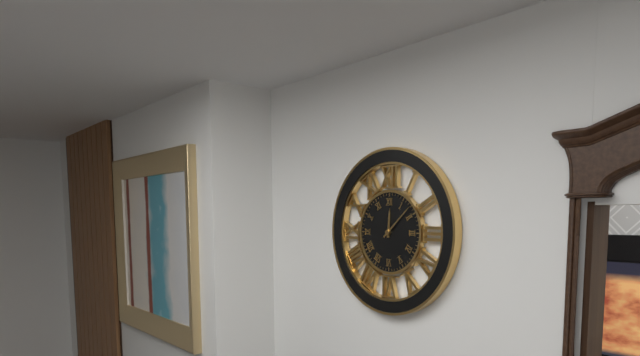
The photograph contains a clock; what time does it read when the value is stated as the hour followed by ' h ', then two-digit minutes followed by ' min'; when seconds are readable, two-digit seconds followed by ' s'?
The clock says 12 h 08 min
